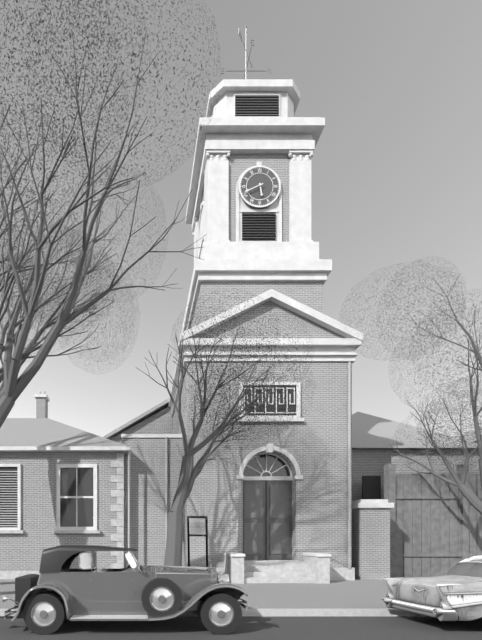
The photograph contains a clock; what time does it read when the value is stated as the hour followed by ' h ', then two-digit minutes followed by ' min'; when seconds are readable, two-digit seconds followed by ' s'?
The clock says 5 h 41 min
